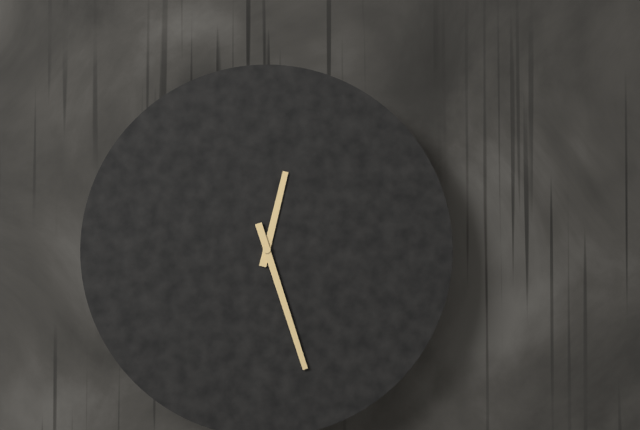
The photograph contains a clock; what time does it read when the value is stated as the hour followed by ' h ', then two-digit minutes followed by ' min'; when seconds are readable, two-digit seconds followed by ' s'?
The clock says 12 h 27 min
